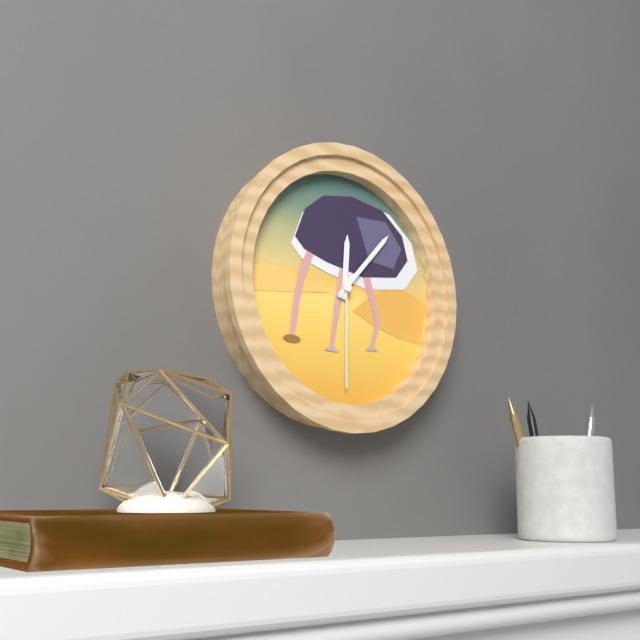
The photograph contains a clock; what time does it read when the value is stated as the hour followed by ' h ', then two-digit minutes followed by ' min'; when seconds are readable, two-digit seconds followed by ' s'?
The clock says 12 h 07 min 30 s
